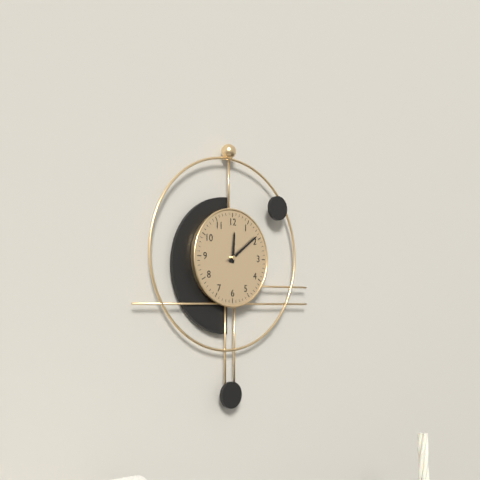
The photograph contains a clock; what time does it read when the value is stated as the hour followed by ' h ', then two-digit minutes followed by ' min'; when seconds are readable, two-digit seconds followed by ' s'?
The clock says 12 h 09 min
